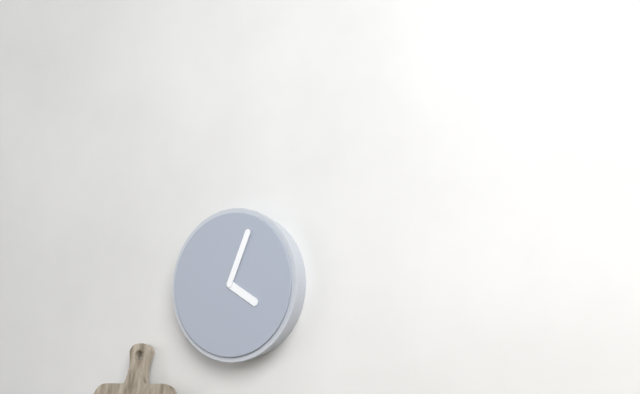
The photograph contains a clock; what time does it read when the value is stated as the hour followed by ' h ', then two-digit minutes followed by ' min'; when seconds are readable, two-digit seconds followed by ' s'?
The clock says 4 h 04 min
